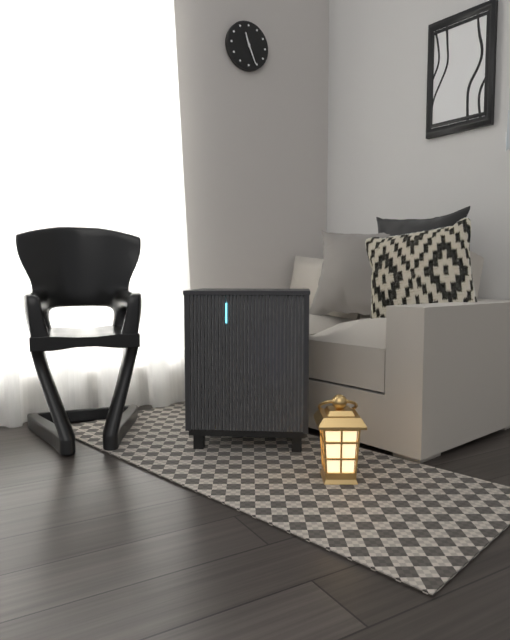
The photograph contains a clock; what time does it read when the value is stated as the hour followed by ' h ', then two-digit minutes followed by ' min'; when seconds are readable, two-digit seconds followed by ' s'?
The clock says 11 h 26 min
